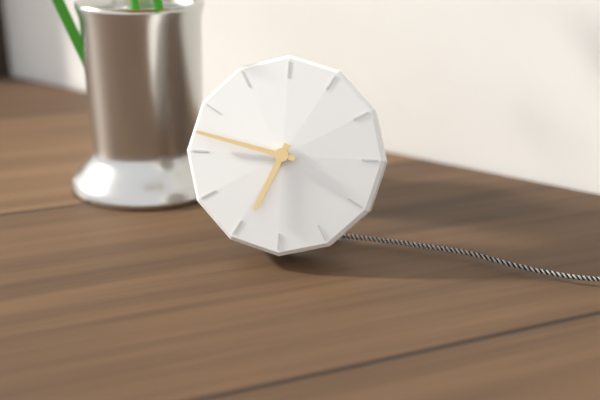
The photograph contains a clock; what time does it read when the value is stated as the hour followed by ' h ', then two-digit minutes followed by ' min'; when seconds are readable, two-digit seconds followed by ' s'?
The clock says 6 h 47 min
